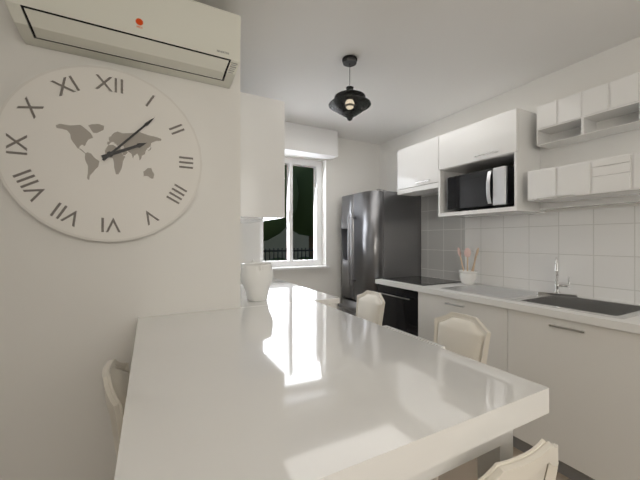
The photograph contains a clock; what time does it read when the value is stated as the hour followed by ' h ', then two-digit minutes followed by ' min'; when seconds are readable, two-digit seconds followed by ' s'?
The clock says 2 h 07 min
